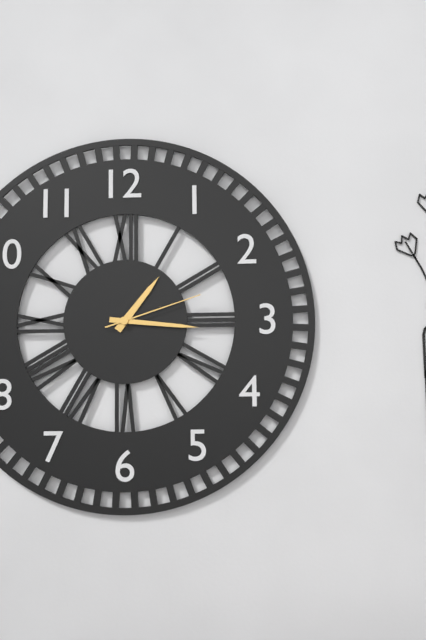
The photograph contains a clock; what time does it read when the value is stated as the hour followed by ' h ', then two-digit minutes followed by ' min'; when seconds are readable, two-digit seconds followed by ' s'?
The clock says 1 h 16 min 12 s
